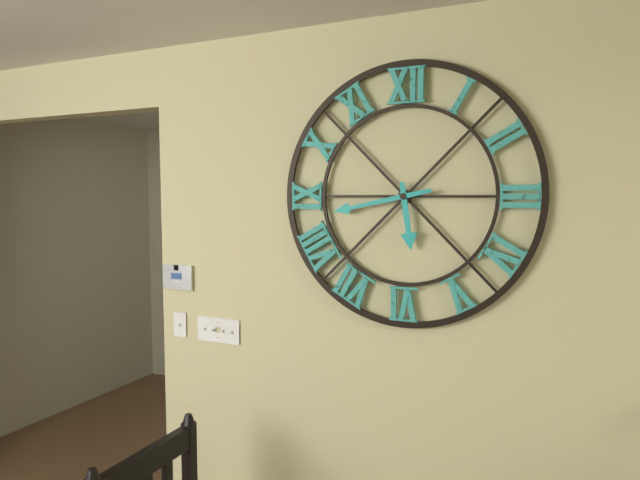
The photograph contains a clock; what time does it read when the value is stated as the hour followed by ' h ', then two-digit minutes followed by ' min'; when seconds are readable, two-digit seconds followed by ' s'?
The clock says 5 h 43 min
